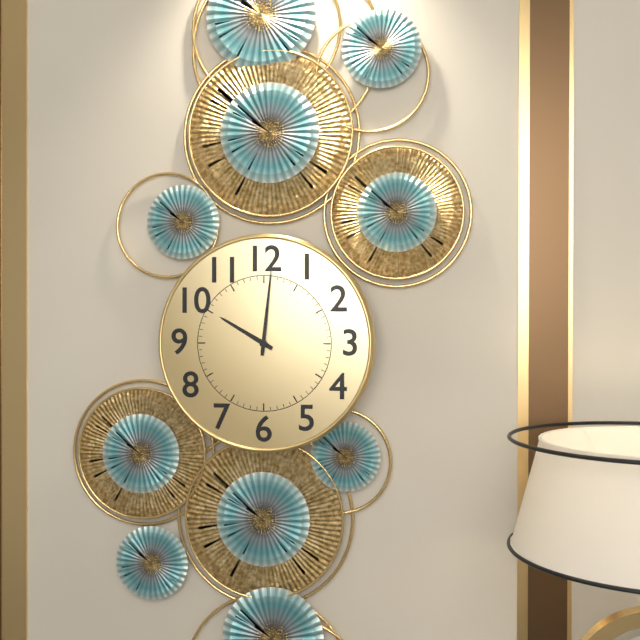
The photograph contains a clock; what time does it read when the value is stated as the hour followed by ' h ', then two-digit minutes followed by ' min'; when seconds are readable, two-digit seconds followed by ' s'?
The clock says 10 h 01 min
